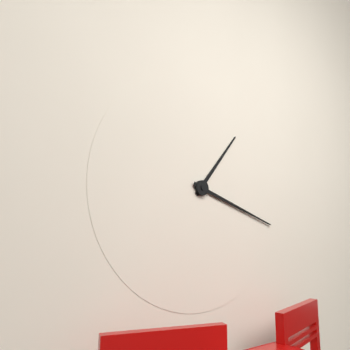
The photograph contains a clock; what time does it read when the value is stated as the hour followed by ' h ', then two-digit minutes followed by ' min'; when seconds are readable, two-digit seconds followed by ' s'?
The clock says 1 h 18 min
